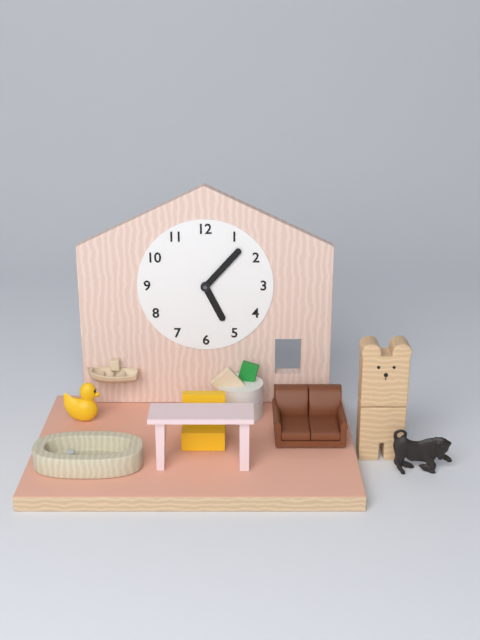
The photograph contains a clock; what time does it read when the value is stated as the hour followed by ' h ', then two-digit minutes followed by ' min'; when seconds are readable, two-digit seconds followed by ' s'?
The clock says 5 h 07 min
